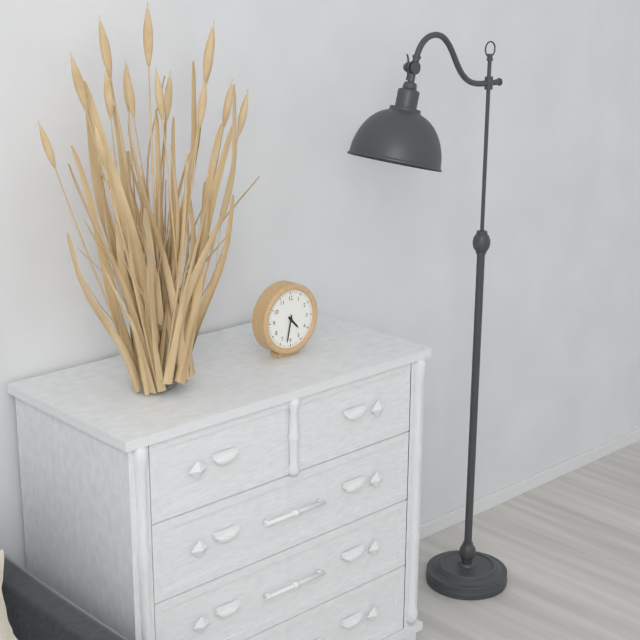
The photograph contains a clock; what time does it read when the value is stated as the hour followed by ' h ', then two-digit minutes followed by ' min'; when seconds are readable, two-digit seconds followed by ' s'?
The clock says 4 h 32 min
